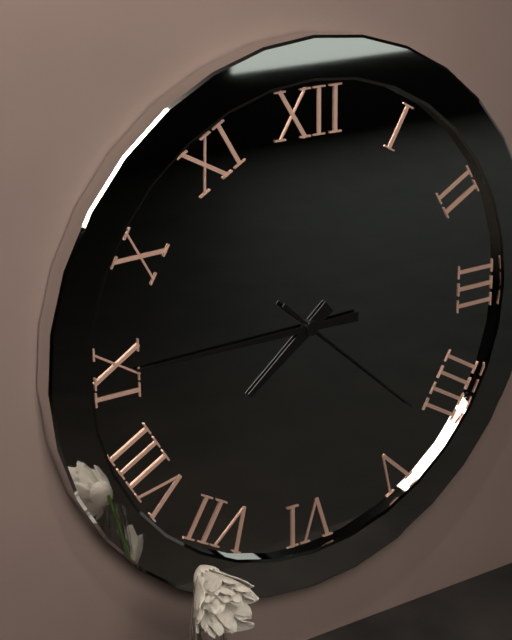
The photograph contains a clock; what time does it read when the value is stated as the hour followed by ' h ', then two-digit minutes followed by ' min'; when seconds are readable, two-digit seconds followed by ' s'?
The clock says 7 h 45 min 22 s
